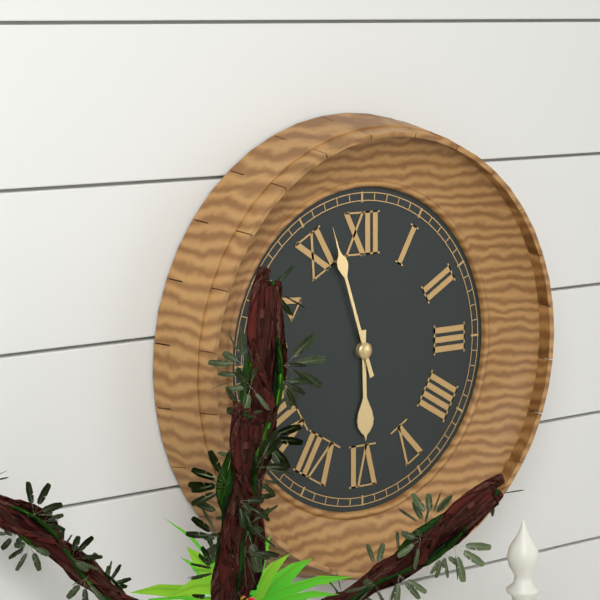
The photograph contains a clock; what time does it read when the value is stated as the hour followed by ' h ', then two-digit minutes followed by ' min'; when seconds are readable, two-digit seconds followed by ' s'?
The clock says 5 h 57 min
